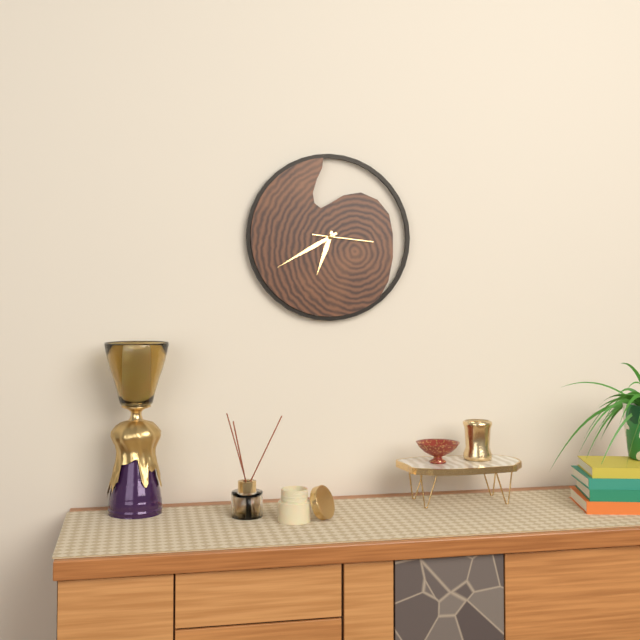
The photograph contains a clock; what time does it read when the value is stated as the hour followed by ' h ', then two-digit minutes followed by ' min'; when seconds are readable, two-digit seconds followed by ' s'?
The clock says 6 h 40 min 16 s
